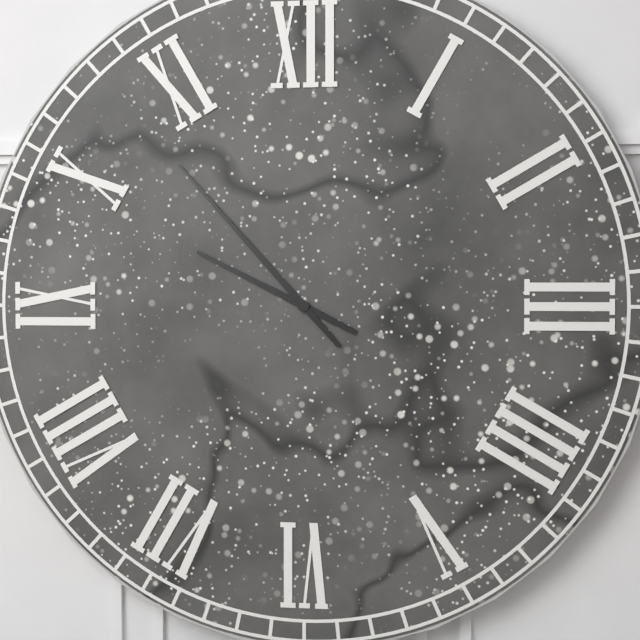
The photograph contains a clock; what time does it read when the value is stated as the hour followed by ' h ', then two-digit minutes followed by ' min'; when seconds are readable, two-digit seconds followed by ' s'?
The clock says 9 h 53 min
